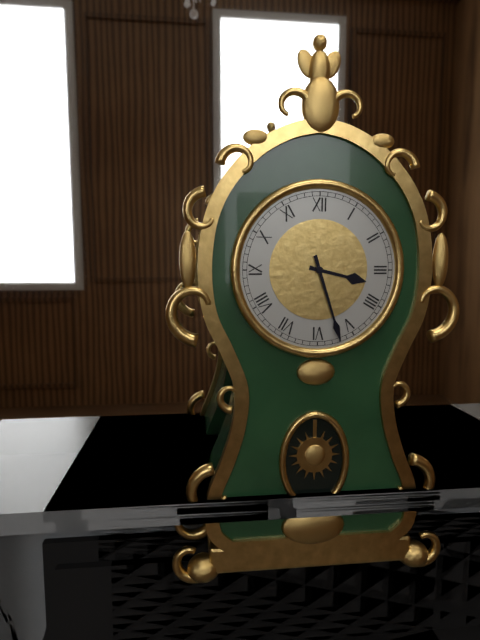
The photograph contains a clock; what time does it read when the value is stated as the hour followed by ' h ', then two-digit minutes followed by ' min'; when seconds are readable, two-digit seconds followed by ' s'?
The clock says 3 h 27 min
